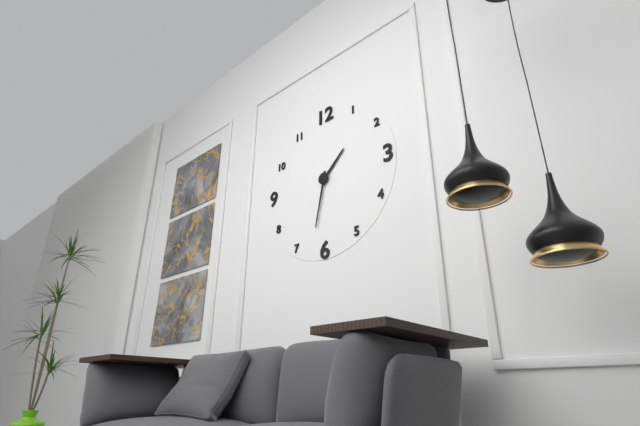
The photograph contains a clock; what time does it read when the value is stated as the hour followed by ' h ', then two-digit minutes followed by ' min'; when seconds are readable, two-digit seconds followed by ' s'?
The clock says 1 h 32 min
